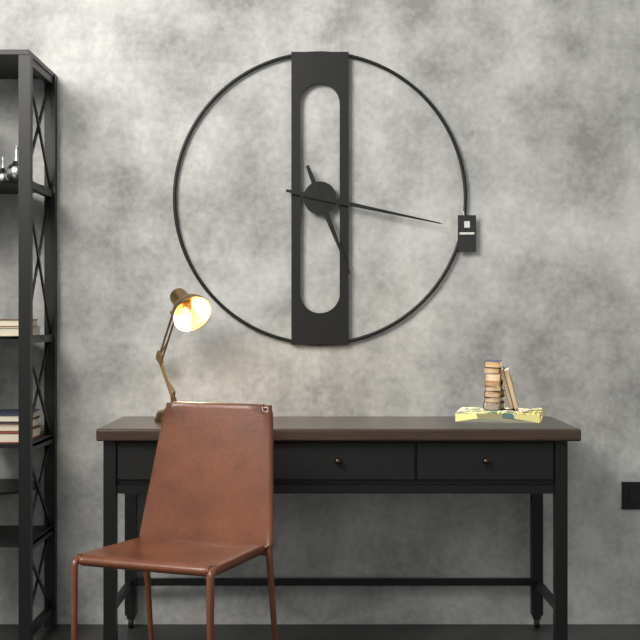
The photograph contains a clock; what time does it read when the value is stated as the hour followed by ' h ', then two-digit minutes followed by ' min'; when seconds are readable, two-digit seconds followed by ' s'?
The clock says 5 h 17 min
